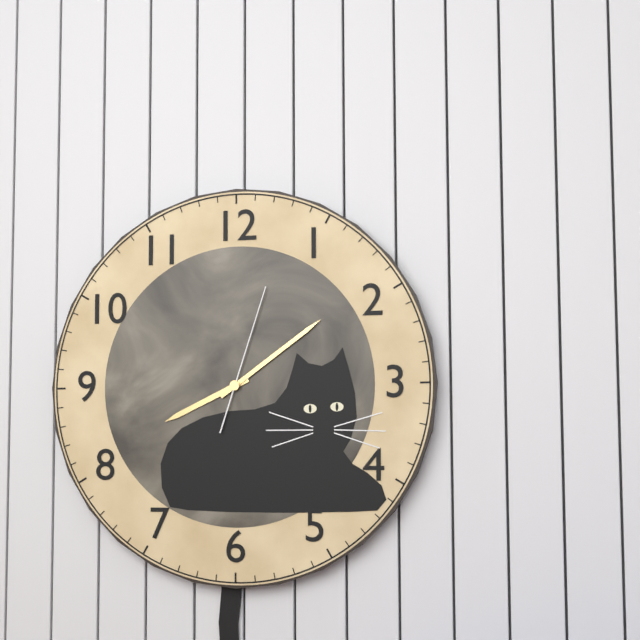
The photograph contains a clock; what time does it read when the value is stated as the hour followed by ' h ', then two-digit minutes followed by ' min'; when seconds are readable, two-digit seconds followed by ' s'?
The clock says 8 h 09 min 03 s
